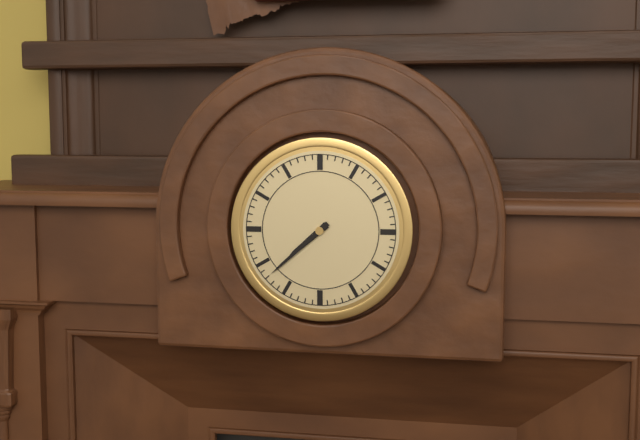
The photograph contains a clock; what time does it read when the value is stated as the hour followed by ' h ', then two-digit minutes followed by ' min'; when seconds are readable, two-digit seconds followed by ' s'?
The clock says 7 h 38 min
